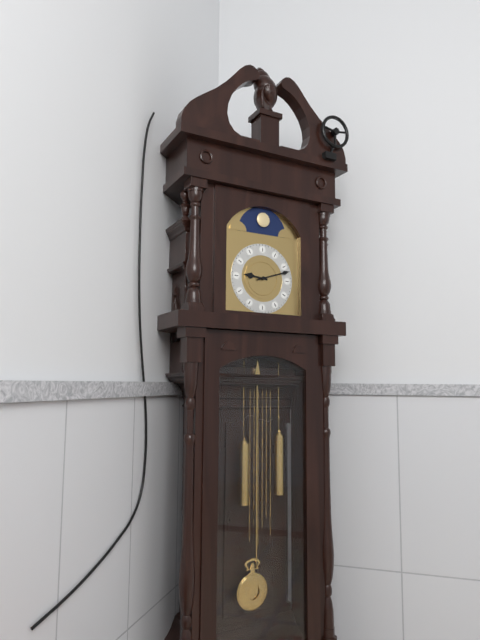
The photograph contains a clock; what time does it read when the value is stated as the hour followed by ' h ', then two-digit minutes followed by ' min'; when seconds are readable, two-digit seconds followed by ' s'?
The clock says 9 h 12 min
